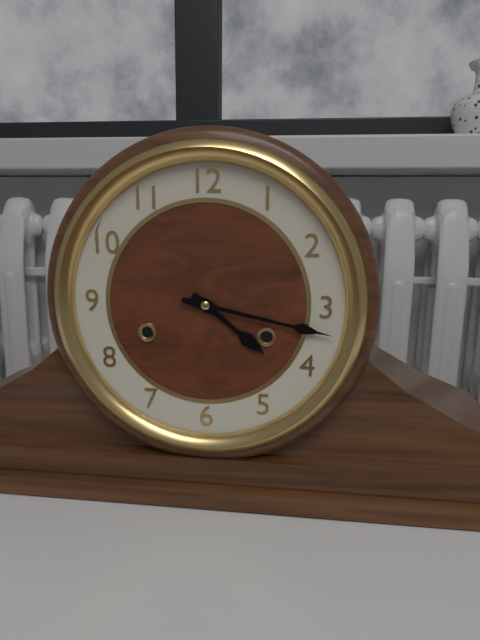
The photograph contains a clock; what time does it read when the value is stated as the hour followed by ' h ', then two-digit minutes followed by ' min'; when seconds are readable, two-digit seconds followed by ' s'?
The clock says 4 h 17 min
